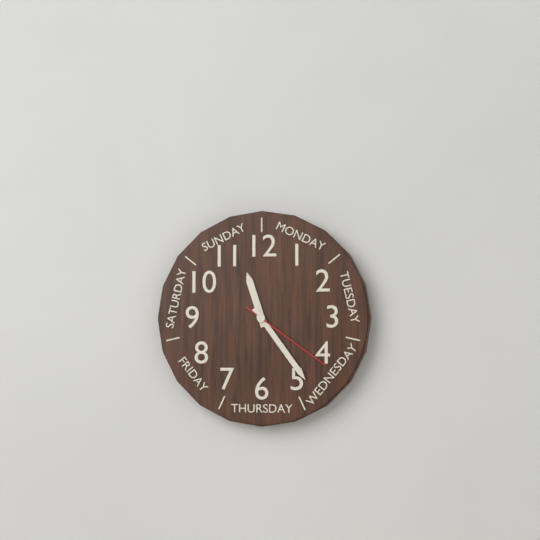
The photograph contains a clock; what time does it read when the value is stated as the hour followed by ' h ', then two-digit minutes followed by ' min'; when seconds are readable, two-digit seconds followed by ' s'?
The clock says 11 h 24 min 21 s
